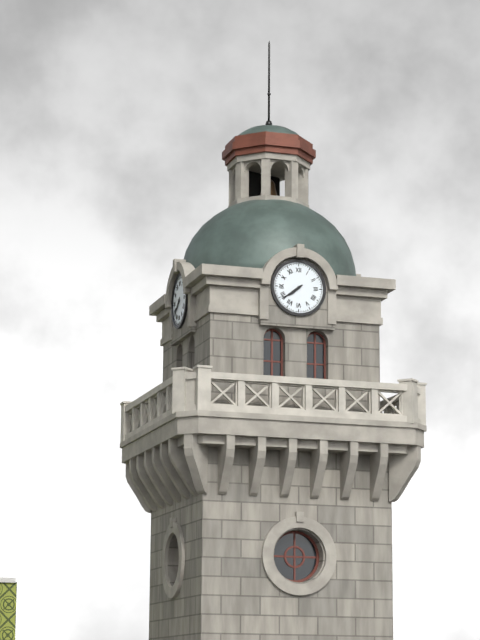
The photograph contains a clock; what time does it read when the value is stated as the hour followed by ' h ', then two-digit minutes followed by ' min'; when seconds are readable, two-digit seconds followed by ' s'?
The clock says 7 h 39 min
